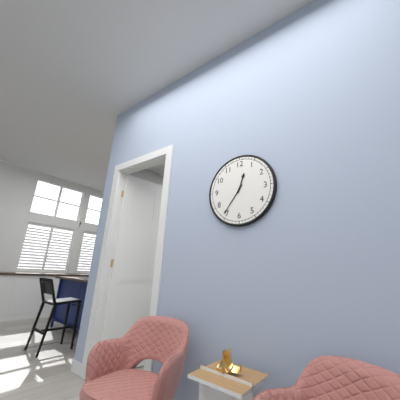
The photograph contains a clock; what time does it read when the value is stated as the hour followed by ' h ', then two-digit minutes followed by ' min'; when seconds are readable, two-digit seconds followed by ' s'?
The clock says 12 h 36 min
